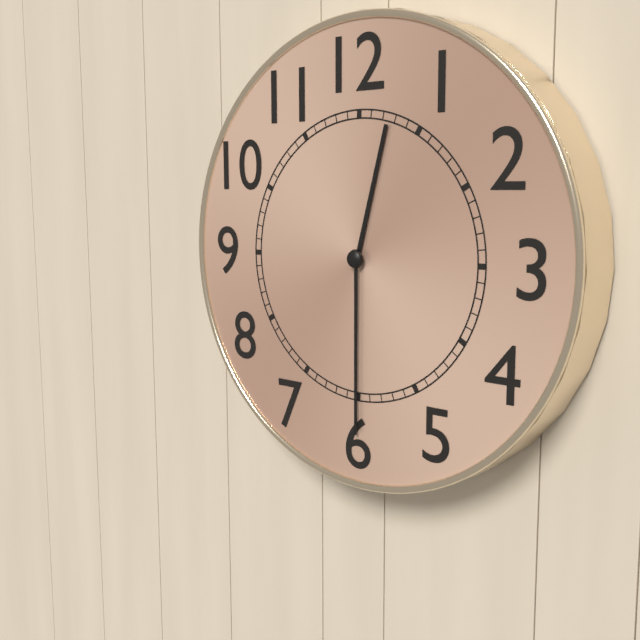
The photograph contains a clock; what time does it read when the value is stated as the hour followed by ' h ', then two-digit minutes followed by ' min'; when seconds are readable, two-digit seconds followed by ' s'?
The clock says 12 h 30 min
